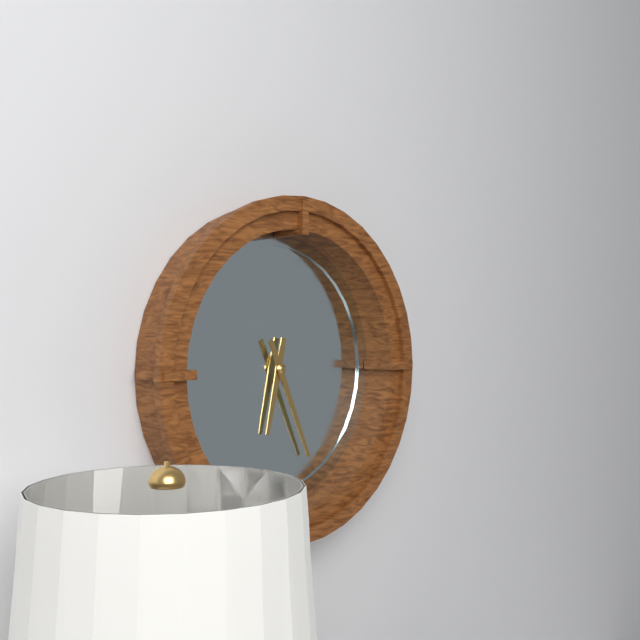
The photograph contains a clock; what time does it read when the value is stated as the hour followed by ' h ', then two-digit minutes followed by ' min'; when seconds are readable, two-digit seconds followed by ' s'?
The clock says 6 h 26 min
